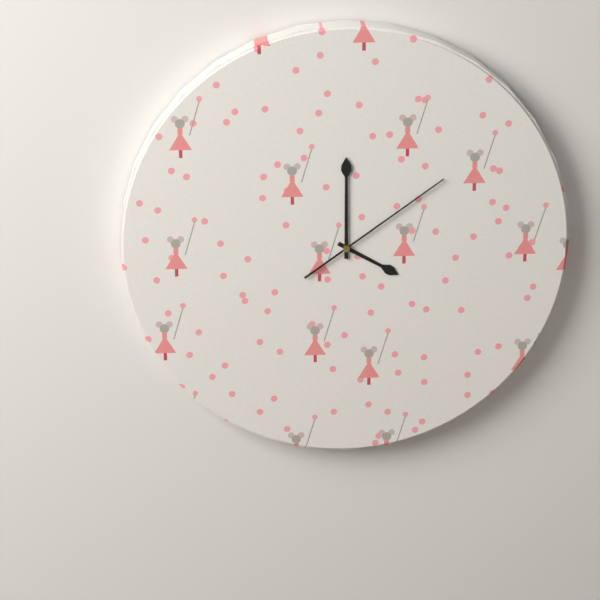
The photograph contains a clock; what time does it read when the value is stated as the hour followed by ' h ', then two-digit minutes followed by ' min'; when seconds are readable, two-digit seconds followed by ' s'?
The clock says 4 h 00 min 09 s
